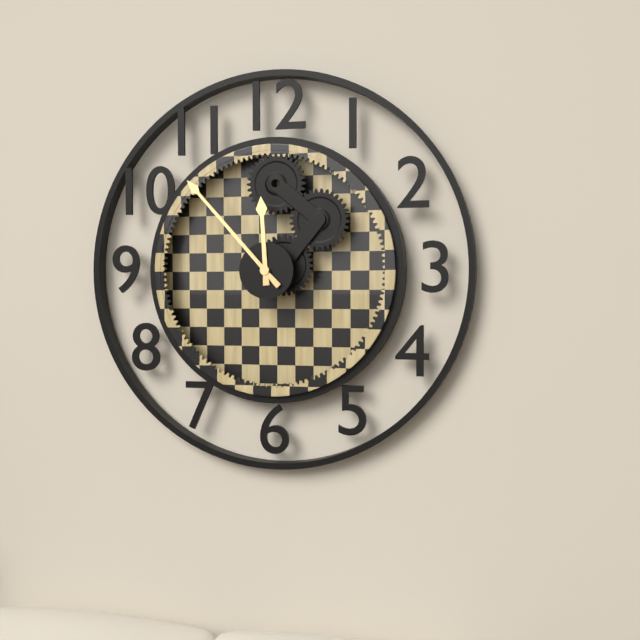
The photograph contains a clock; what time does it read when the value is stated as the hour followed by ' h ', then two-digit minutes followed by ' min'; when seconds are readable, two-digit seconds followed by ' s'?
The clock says 11 h 53 min
